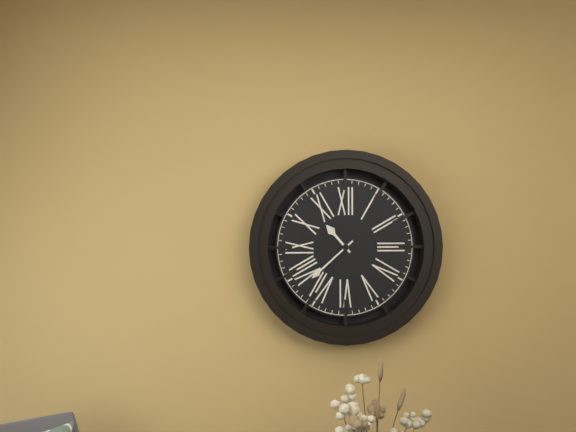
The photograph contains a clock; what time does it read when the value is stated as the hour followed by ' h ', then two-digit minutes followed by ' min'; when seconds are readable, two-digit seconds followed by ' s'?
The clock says 10 h 38 min
